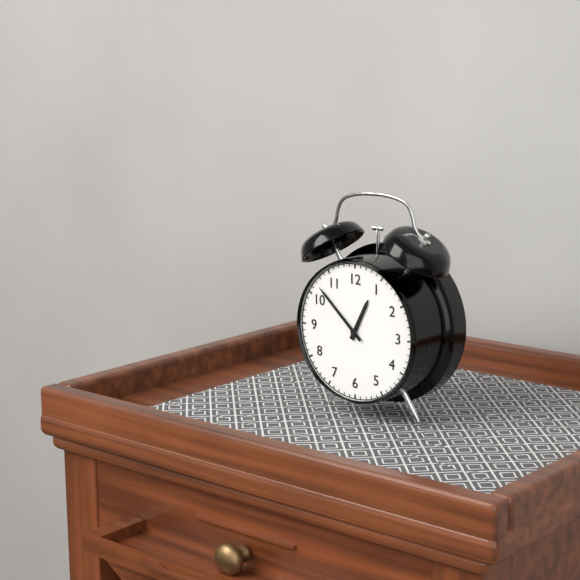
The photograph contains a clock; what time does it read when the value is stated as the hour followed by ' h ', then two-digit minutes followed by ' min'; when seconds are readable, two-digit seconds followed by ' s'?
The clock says 12 h 52 min
